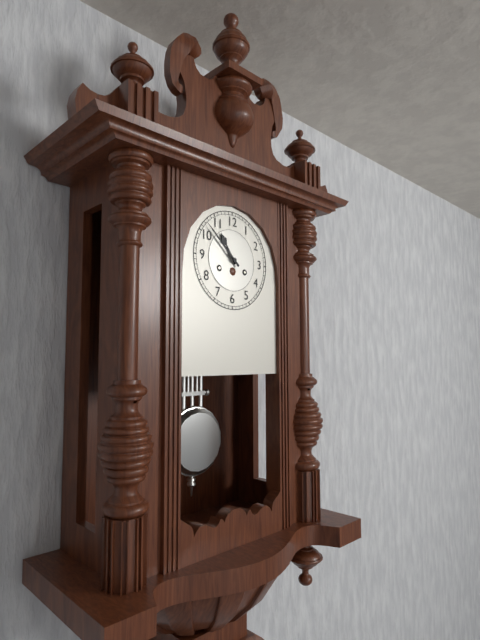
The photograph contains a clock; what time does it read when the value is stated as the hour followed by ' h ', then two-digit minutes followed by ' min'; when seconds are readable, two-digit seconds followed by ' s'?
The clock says 10 h 52 min
